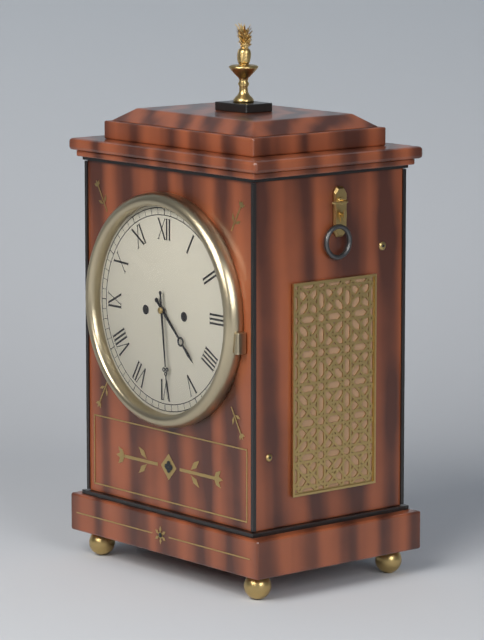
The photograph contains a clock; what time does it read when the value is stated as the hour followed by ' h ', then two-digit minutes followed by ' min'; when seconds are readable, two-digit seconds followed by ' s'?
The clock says 4 h 29 min
